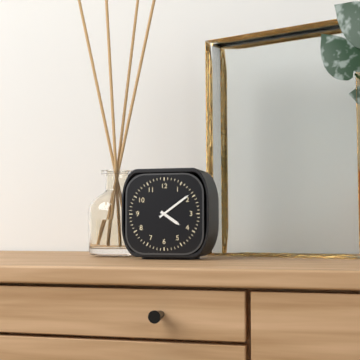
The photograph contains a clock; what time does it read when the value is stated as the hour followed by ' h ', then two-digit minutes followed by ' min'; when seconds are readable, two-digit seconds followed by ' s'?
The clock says 4 h 09 min
